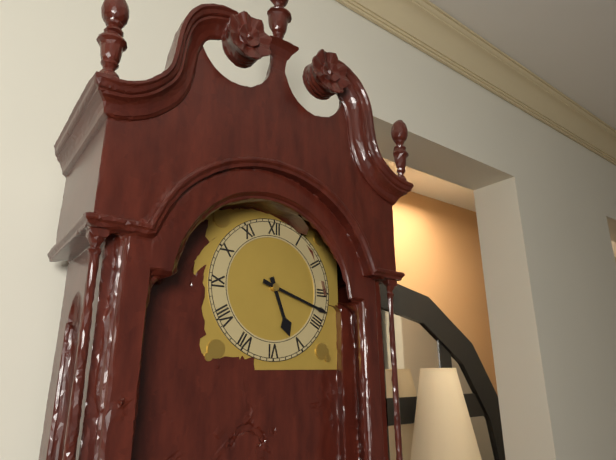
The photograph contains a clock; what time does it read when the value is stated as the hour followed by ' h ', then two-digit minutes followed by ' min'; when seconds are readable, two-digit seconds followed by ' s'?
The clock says 5 h 18 min
